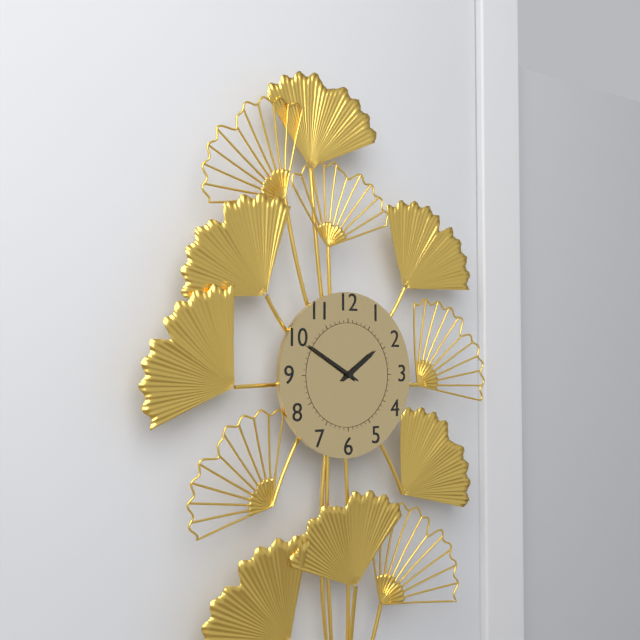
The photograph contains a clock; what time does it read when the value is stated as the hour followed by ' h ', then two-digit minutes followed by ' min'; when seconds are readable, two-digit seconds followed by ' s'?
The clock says 1 h 50 min
